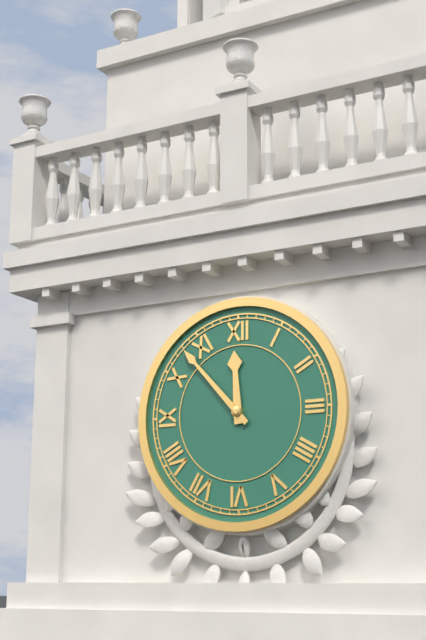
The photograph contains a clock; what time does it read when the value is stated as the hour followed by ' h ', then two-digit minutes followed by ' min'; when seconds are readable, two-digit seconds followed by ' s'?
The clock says 11 h 53 min
